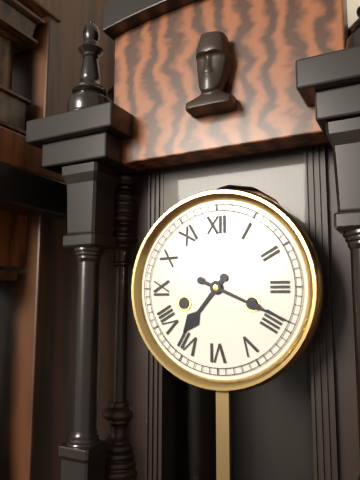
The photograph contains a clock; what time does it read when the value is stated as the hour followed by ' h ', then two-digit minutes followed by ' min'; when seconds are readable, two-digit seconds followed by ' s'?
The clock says 7 h 19 min
